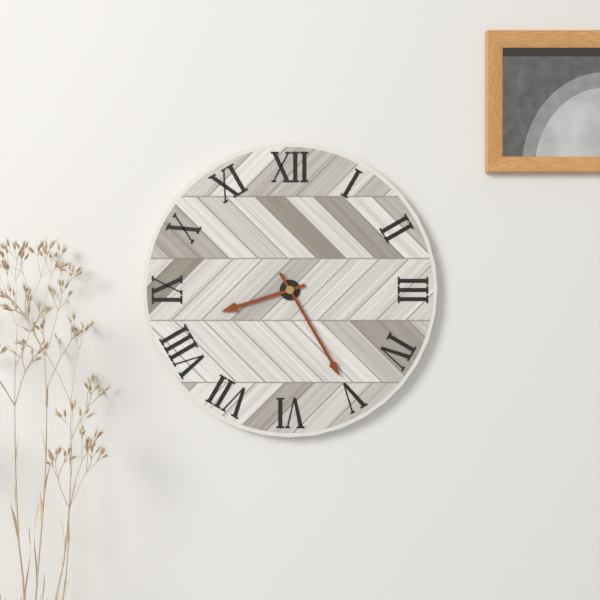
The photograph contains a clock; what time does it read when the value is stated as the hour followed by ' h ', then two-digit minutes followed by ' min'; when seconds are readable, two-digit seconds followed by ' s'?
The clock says 8 h 25 min
